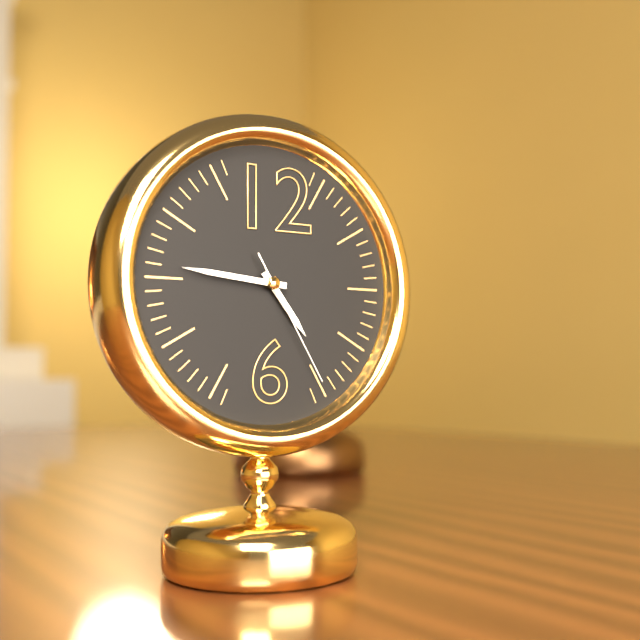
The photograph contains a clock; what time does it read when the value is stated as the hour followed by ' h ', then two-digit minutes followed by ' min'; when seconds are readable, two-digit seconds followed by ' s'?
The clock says 4 h 46 min 25 s
